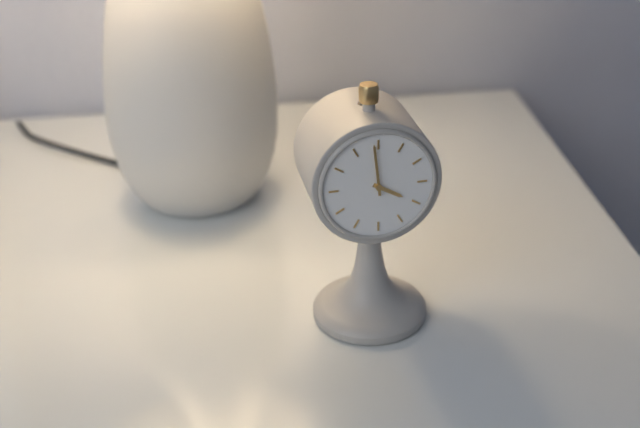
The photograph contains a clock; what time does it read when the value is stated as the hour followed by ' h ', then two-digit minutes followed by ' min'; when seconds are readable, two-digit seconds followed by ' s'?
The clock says 3 h 59 min
